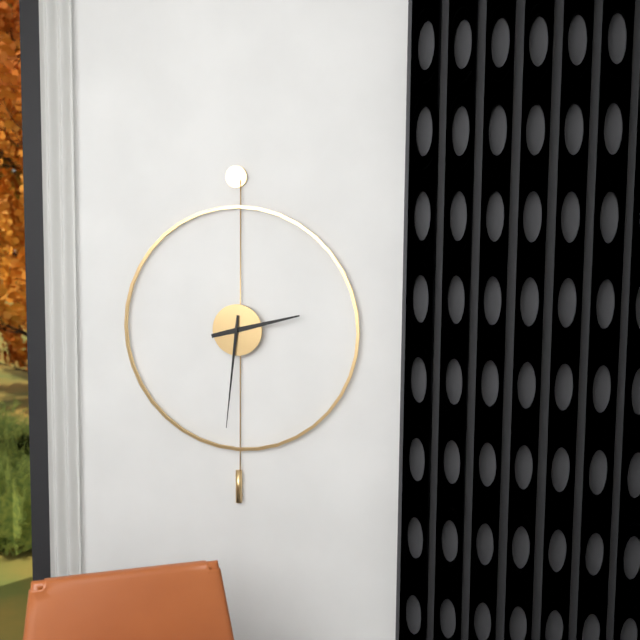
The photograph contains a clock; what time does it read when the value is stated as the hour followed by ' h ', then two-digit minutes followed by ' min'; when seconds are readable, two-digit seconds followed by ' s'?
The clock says 2 h 31 min
